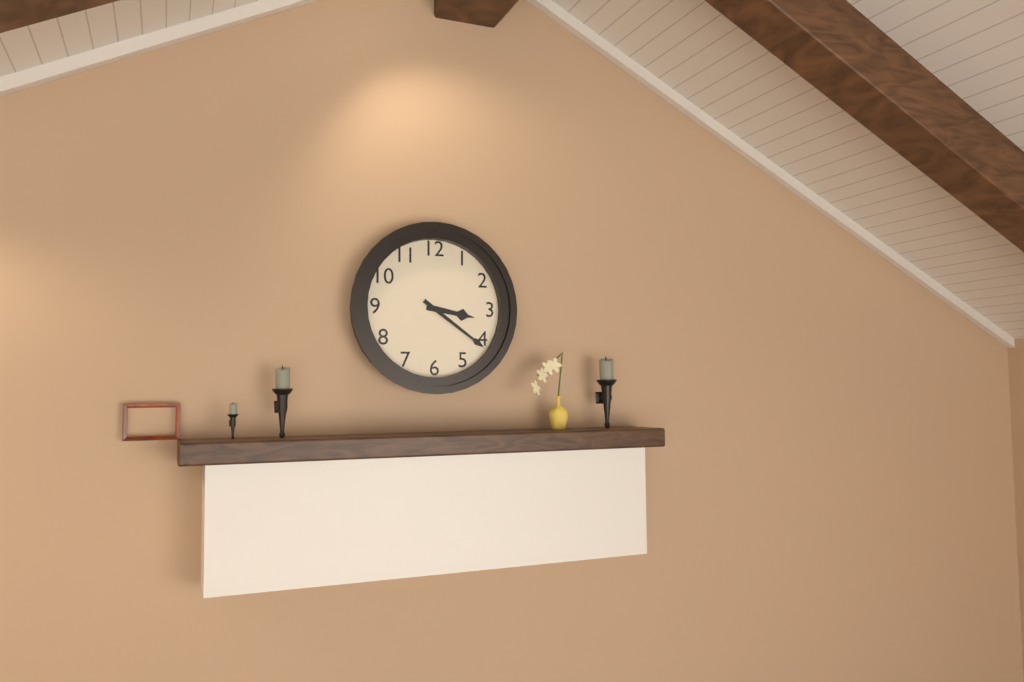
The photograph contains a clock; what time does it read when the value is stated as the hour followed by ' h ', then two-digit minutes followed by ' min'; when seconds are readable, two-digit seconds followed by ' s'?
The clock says 3 h 21 min
